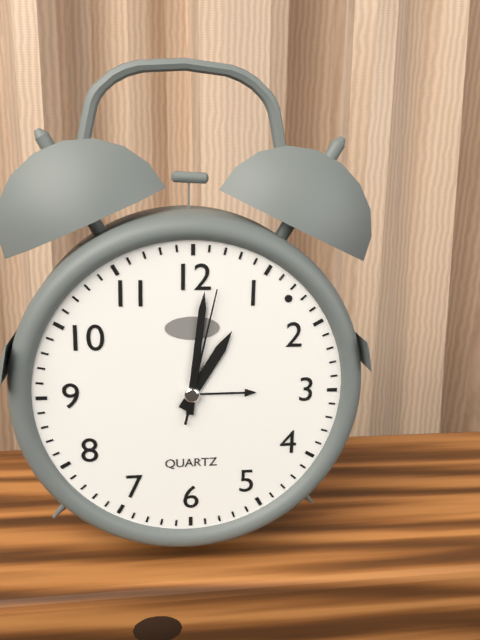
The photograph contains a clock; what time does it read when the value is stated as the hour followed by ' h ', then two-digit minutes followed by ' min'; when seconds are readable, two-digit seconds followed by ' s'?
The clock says 1 h 01 min 02 s
